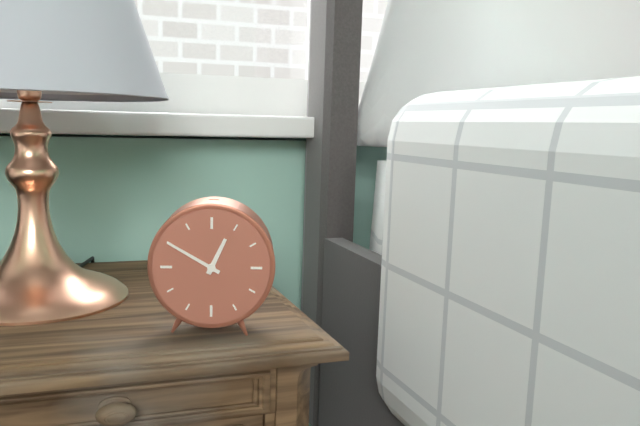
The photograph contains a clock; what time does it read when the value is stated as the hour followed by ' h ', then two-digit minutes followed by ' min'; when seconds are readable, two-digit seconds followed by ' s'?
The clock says 12 h 50 min
